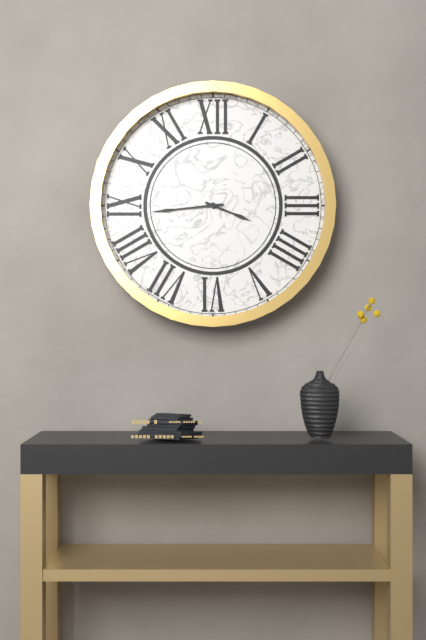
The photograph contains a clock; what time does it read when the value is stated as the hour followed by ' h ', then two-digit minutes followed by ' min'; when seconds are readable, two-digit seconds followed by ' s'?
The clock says 3 h 44 min
